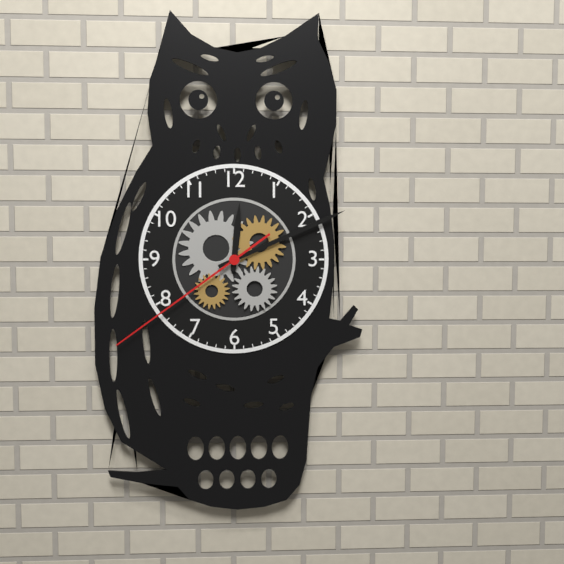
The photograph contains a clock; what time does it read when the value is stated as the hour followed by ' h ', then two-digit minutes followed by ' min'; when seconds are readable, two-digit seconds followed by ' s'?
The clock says 12 h 11 min 39 s
